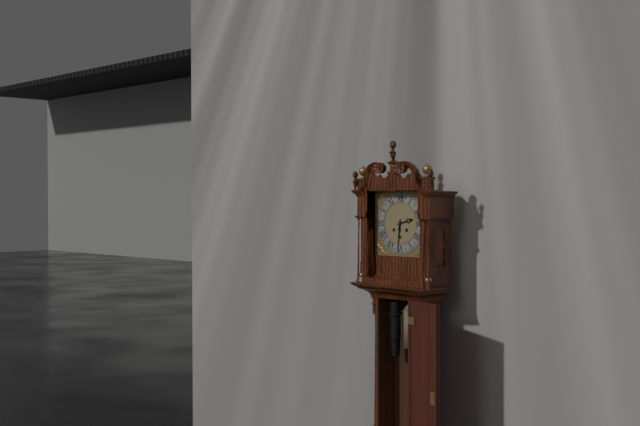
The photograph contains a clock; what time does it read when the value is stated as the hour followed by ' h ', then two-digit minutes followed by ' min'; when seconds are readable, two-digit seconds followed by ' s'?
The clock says 2 h 31 min
